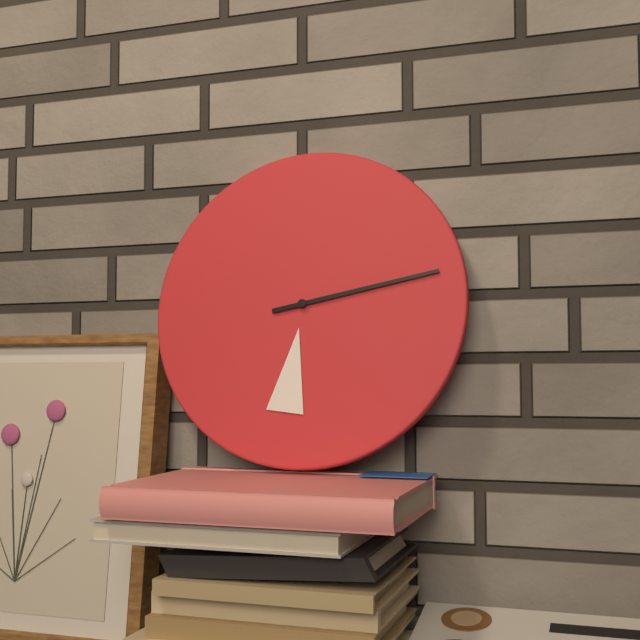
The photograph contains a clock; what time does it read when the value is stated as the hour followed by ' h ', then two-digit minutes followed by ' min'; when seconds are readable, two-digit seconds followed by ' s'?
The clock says 6 h 13 min
